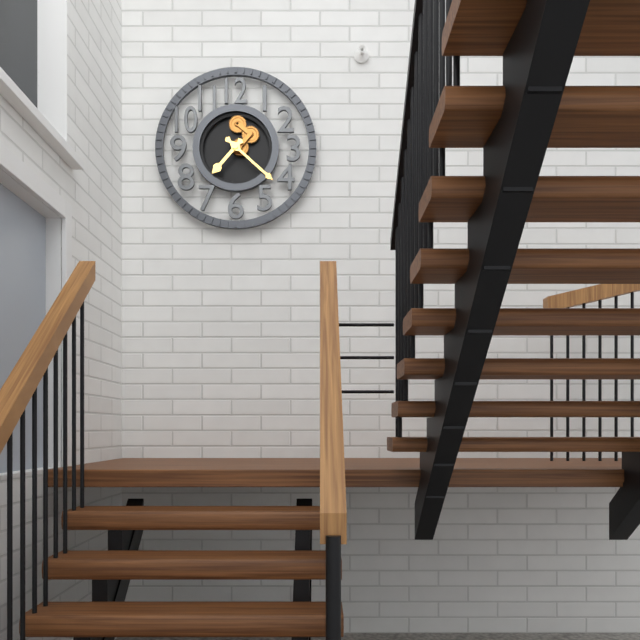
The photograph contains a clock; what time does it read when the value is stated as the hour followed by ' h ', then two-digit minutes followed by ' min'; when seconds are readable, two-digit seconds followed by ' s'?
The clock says 7 h 22 min
